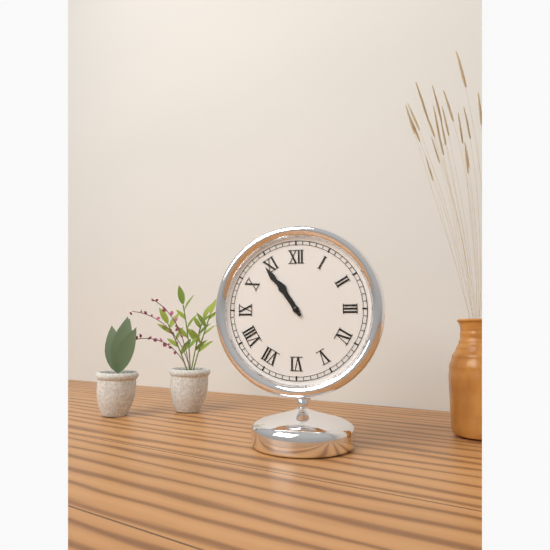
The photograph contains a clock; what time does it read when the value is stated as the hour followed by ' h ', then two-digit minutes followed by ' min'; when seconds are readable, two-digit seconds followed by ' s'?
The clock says 10 h 54 min
